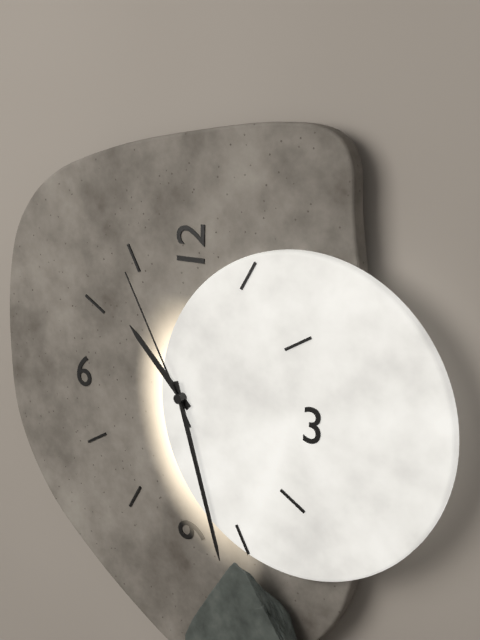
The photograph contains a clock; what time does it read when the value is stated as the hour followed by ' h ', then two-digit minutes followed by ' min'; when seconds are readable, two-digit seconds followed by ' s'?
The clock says 10 h 27 min 55 s
